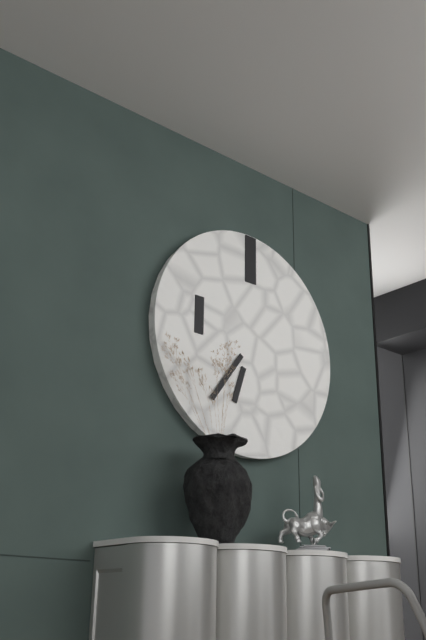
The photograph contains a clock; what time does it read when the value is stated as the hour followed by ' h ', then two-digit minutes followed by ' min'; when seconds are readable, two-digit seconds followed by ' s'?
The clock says 6 h 36 min
